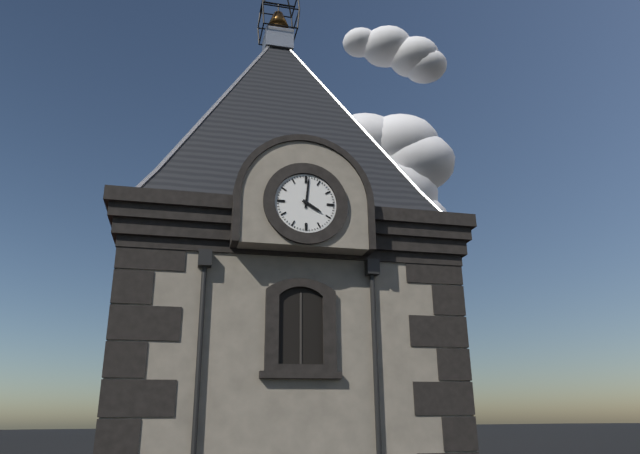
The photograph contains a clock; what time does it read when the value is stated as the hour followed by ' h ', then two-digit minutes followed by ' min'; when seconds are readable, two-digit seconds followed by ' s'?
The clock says 4 h 01 min
